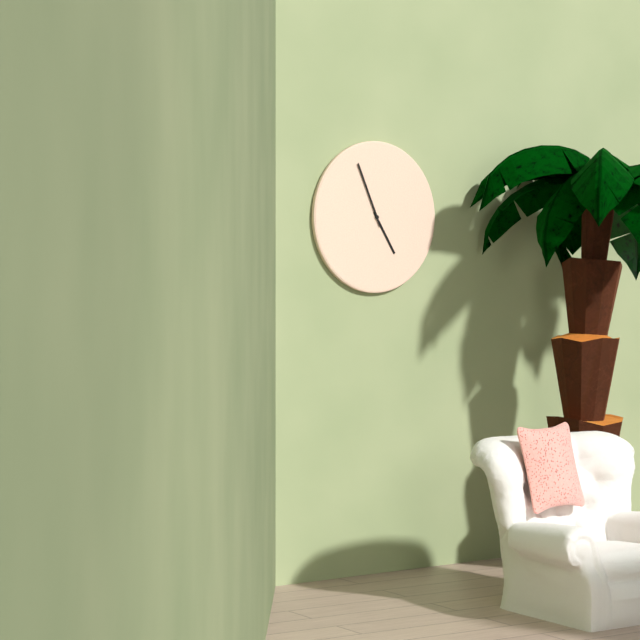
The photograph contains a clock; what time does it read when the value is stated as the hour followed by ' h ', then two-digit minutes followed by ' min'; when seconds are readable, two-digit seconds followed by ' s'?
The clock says 4 h 56 min
